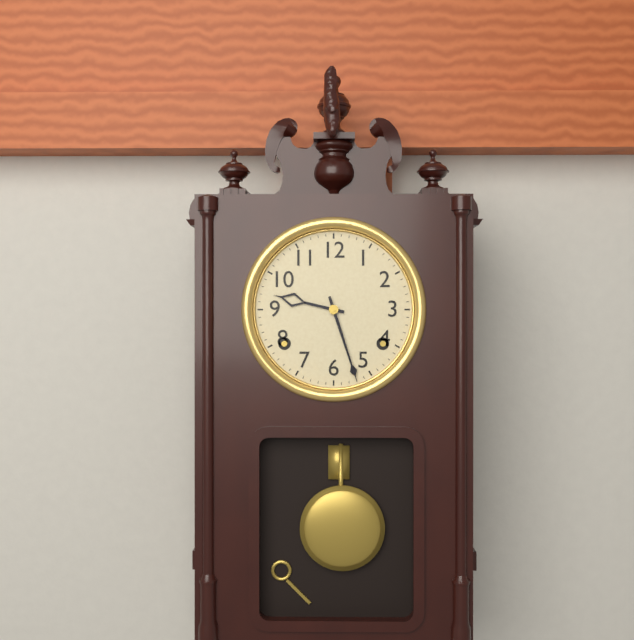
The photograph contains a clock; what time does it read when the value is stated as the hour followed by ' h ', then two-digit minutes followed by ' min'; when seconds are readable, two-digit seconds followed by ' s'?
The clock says 9 h 27 min
